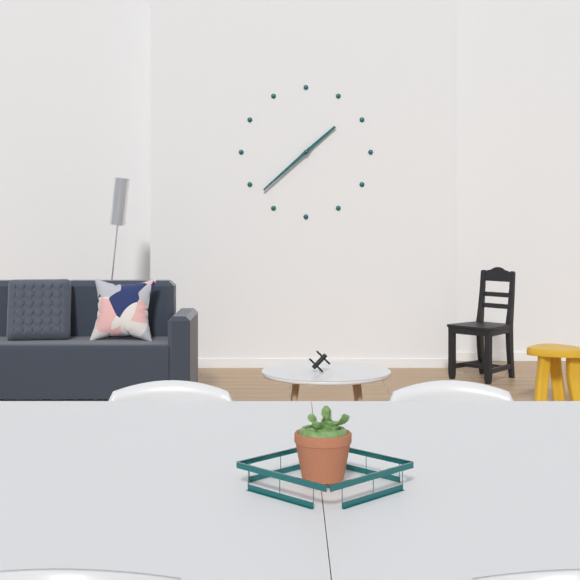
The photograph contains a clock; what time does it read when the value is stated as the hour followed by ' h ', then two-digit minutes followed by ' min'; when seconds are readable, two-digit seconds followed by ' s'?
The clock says 1 h 38 min
